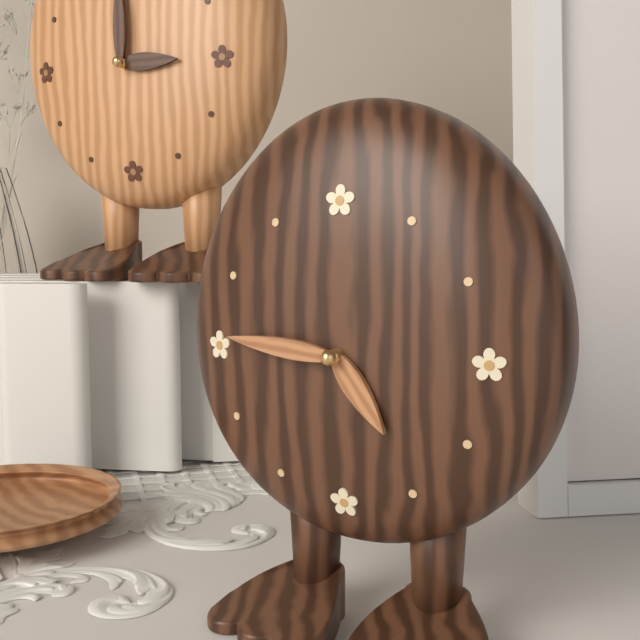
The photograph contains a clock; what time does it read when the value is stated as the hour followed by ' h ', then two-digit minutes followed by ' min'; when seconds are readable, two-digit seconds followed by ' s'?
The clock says 4 h 46 min
